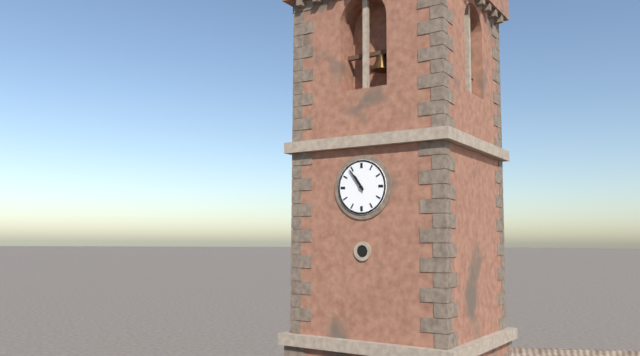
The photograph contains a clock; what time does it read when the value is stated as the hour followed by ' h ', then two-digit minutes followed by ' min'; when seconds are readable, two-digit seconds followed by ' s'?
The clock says 10 h 54 min
